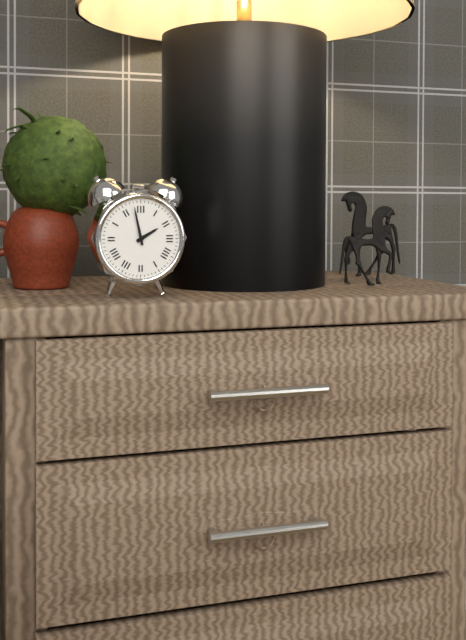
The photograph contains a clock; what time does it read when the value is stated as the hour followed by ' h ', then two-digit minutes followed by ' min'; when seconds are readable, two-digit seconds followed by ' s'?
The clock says 1 h 58 min
